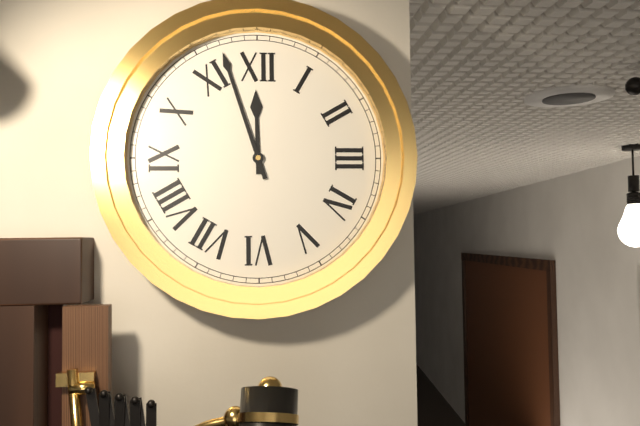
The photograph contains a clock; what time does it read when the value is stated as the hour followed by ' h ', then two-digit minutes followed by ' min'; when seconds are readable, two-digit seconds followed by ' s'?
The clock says 11 h 57 min
